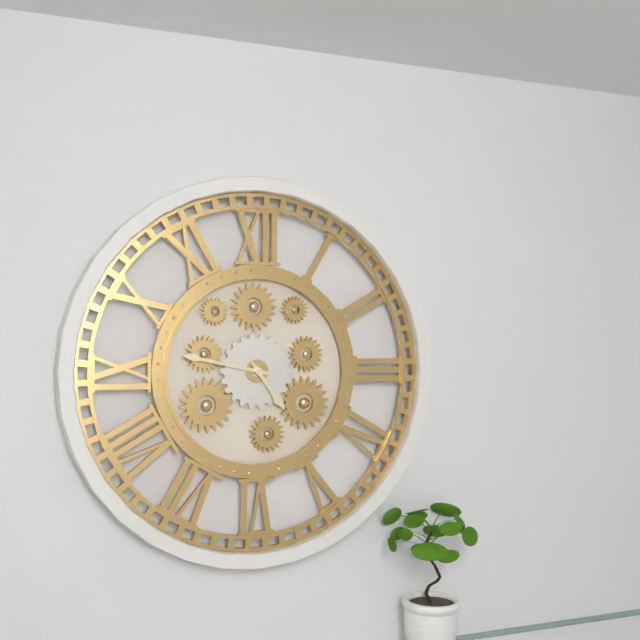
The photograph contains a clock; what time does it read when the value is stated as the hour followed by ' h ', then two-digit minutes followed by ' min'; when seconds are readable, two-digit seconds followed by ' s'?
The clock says 4 h 47 min
